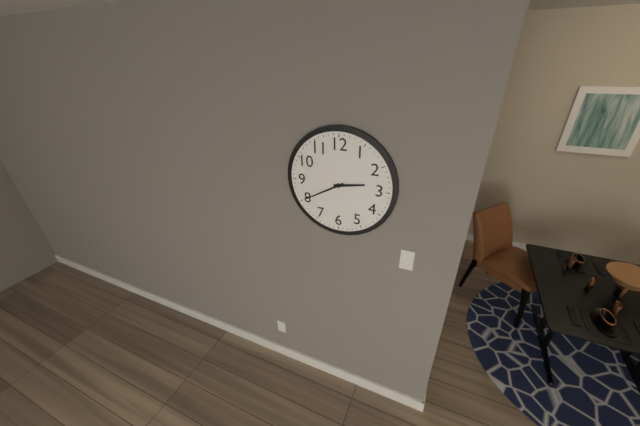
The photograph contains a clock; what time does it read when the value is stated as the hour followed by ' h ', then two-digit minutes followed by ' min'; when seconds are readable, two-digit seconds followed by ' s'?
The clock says 2 h 40 min
